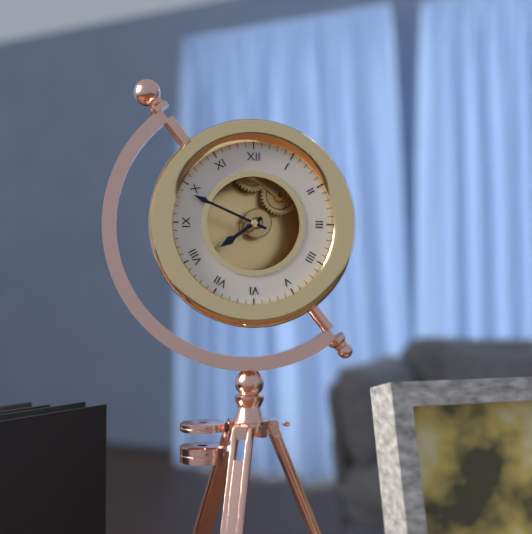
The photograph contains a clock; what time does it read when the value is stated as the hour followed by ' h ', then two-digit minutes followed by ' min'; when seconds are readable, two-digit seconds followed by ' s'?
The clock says 7 h 49 min
